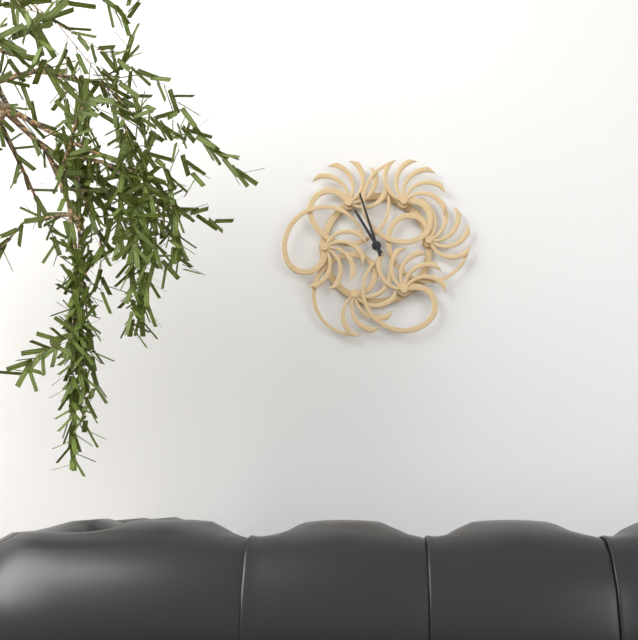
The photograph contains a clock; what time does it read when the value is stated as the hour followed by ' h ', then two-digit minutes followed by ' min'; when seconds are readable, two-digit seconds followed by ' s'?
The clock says 10 h 57 min
